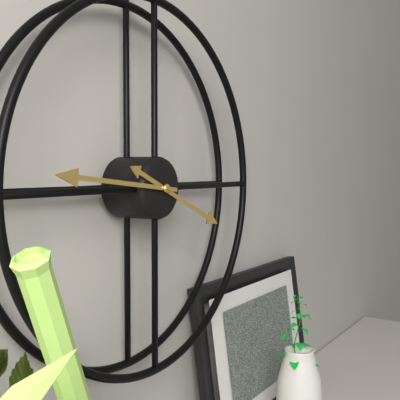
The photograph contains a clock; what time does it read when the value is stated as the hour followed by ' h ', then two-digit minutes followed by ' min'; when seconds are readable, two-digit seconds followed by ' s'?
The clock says 3 h 46 min
